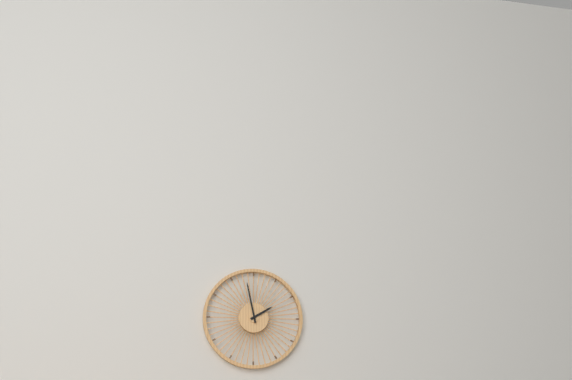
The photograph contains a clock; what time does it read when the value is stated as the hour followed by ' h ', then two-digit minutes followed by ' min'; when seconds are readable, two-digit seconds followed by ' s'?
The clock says 1 h 58 min
